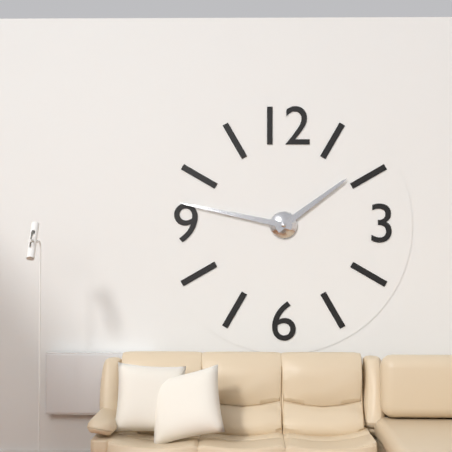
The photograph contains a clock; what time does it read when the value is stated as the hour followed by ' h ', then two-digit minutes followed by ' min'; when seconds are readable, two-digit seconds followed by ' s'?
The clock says 1 h 47 min
